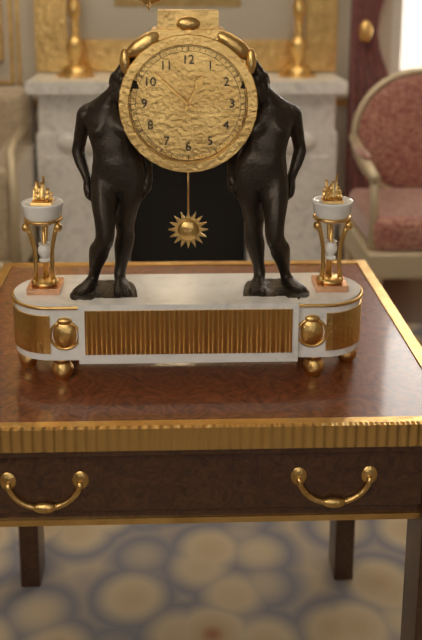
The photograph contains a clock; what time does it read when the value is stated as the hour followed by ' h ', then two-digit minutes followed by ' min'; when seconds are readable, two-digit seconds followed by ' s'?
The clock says 12 h 52 min
